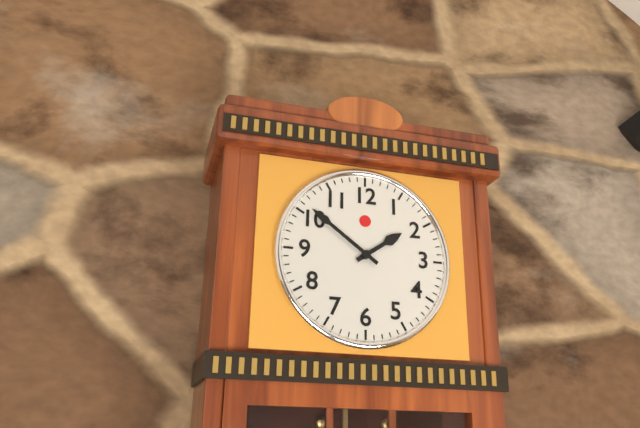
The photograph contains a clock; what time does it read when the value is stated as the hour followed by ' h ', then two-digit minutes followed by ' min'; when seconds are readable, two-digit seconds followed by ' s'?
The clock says 1 h 51 min
